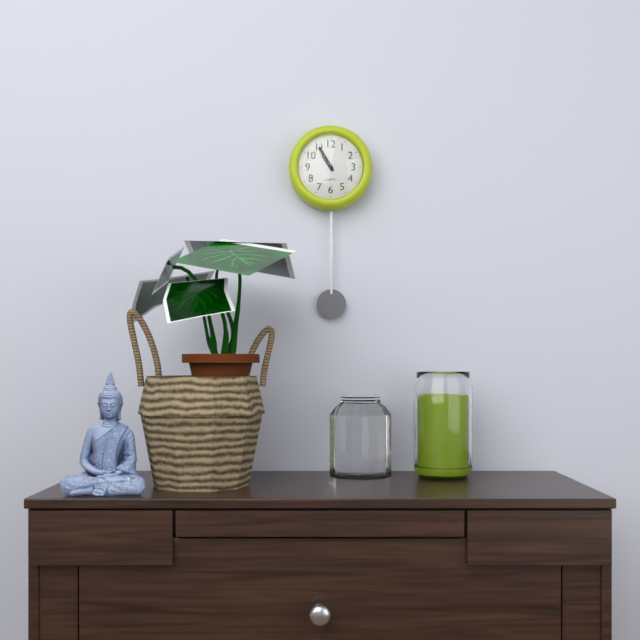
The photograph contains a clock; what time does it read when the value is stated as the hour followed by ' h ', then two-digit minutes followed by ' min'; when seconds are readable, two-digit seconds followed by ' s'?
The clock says 10 h 55 min
